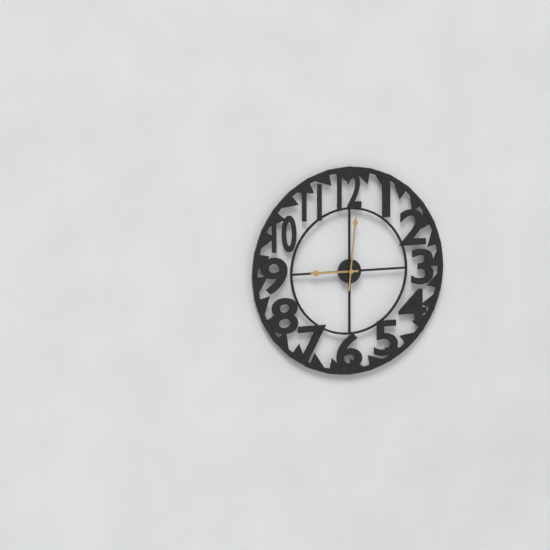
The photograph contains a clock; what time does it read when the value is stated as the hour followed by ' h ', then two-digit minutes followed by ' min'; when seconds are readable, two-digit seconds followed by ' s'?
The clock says 9 h 01 min
